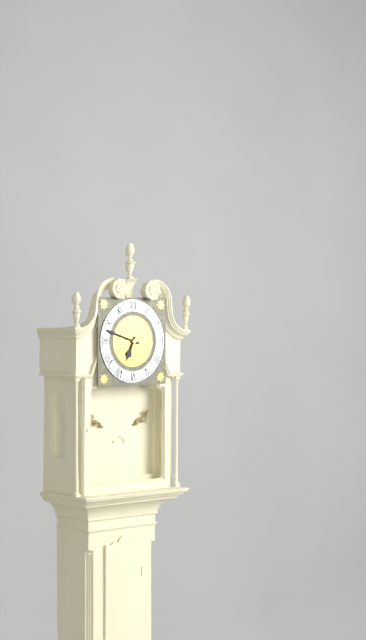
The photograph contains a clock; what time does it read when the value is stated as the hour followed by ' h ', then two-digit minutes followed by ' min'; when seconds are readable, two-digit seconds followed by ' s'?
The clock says 6 h 48 min
